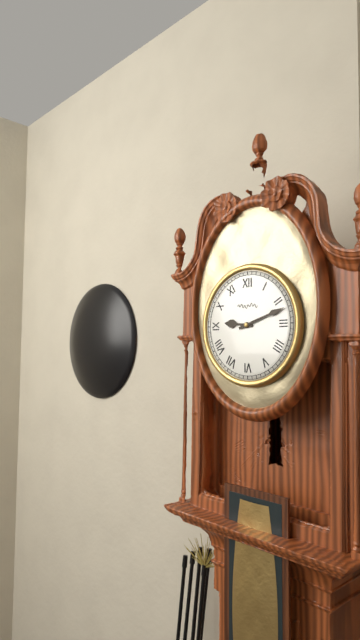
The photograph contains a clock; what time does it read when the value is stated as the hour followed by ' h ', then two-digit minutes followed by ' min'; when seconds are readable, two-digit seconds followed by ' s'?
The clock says 9 h 12 min
